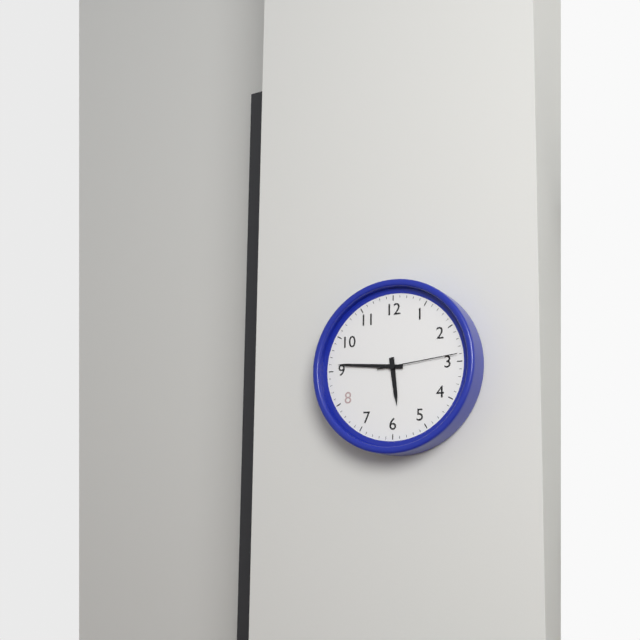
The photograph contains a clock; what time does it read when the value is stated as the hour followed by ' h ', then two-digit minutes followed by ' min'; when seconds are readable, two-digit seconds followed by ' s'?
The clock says 5 h 46 min 14 s
